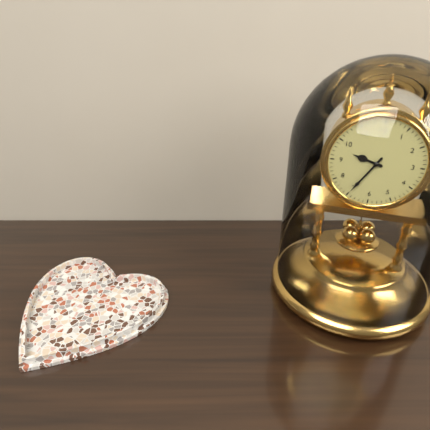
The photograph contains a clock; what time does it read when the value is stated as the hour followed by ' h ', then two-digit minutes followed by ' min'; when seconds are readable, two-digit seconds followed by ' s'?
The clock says 9 h 35 min
